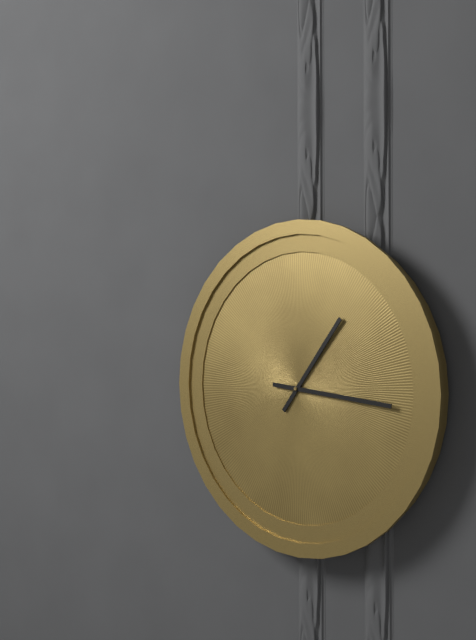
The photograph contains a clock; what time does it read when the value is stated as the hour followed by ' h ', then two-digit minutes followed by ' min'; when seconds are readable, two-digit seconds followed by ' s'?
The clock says 1 h 16 min
